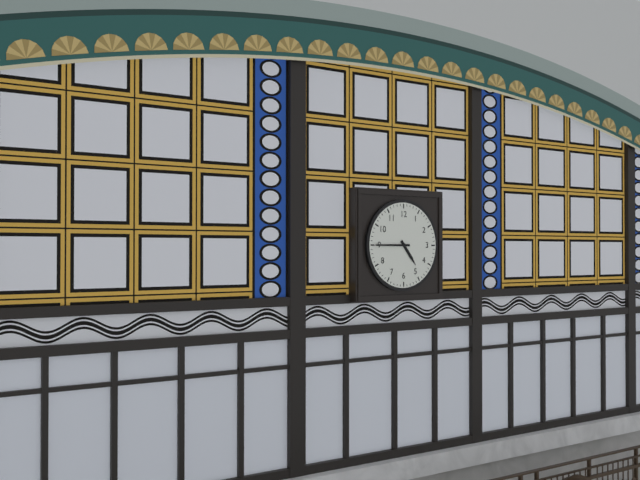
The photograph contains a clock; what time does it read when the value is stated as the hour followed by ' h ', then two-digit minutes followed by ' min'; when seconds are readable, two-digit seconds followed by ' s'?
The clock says 4 h 45 min
